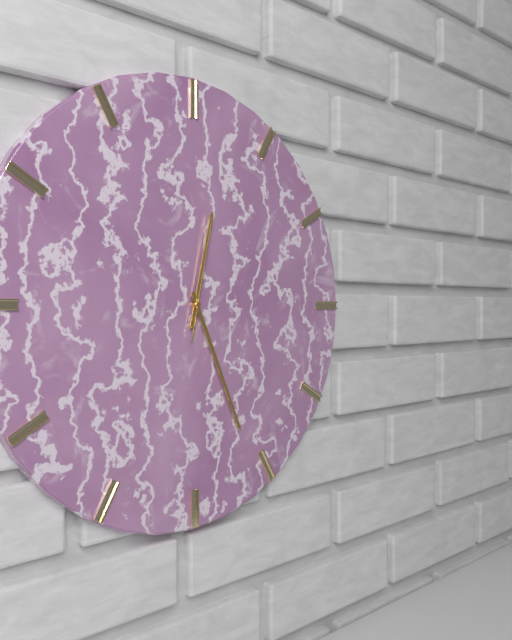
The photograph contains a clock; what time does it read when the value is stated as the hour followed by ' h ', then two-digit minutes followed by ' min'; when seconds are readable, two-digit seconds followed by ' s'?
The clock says 12 h 26 min 02 s
